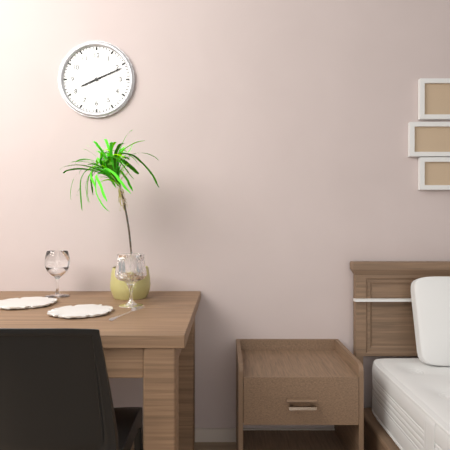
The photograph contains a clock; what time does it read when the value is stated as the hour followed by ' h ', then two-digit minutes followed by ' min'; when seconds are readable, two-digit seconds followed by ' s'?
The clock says 8 h 11 min
